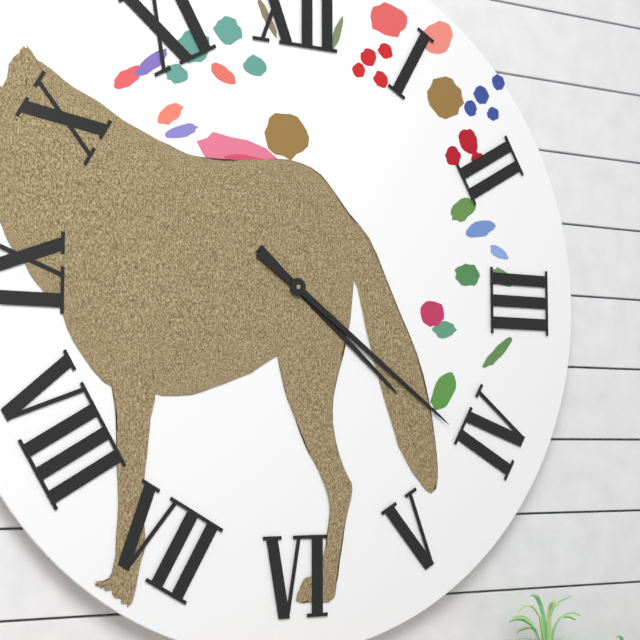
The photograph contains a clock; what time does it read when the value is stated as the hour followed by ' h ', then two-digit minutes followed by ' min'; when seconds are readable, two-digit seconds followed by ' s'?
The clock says 4 h 21 min
